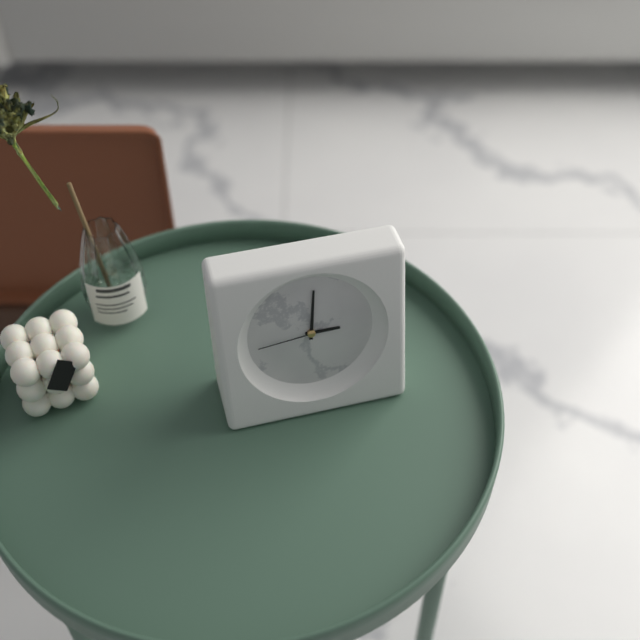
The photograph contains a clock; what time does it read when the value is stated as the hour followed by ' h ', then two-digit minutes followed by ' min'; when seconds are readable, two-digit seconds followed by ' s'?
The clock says 3 h 01 min 44 s
